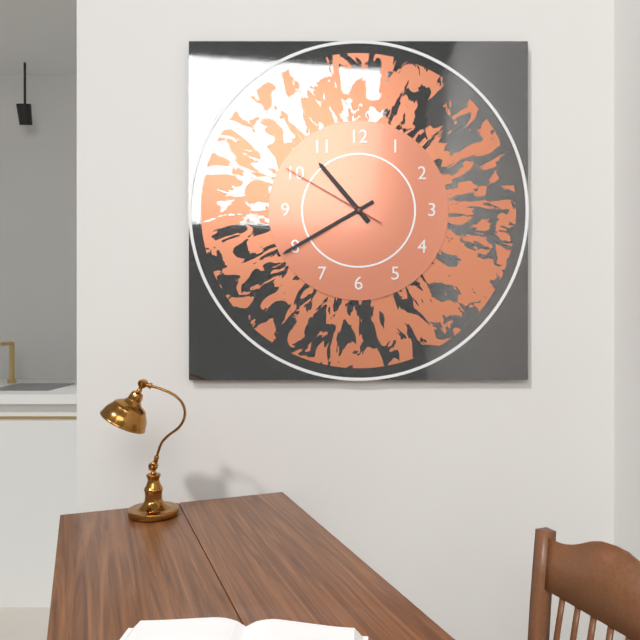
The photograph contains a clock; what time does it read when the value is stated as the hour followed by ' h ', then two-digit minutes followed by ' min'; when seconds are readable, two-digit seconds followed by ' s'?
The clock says 10 h 40 min 50 s
